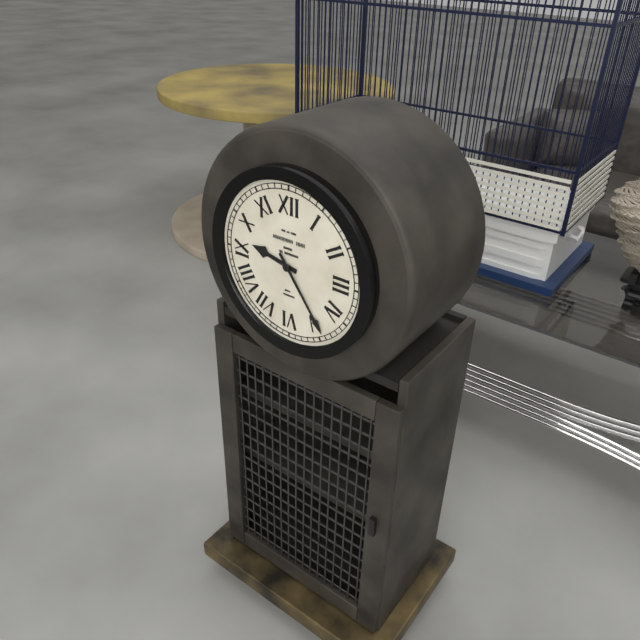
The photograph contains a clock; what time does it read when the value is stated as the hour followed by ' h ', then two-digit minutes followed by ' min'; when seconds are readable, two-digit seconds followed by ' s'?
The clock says 9 h 24 min
